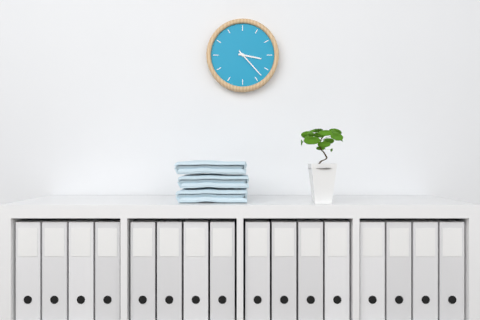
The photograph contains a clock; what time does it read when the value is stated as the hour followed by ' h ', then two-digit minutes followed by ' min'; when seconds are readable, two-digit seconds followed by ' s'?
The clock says 3 h 23 min
